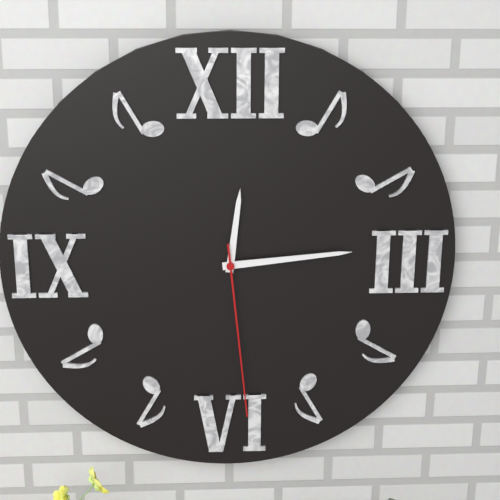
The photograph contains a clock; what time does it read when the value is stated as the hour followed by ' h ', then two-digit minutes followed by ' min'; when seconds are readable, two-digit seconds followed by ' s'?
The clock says 12 h 14 min 29 s
